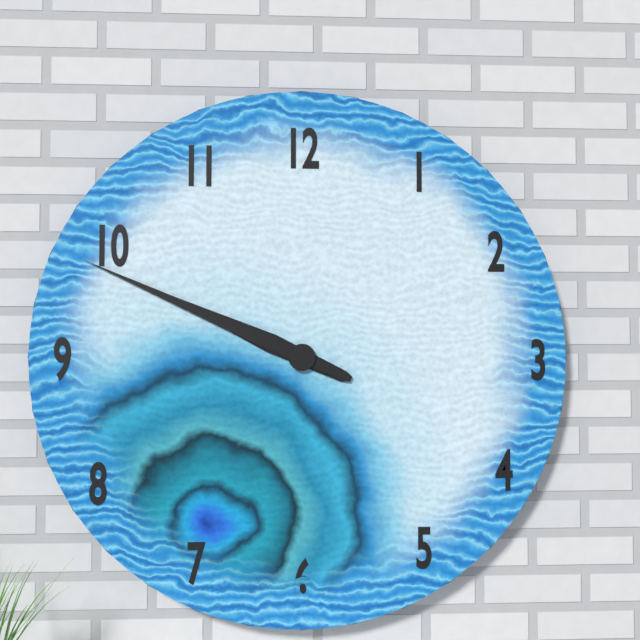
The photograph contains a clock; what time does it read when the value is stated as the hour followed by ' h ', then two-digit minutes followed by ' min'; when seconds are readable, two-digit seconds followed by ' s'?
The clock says 9 h 49 min
